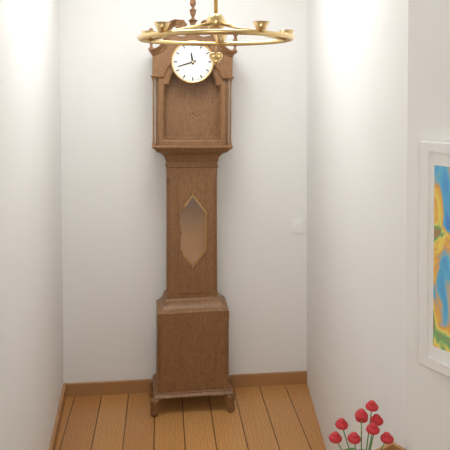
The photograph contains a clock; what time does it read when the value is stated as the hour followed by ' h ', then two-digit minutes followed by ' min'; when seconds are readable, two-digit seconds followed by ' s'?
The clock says 11 h 42 min
